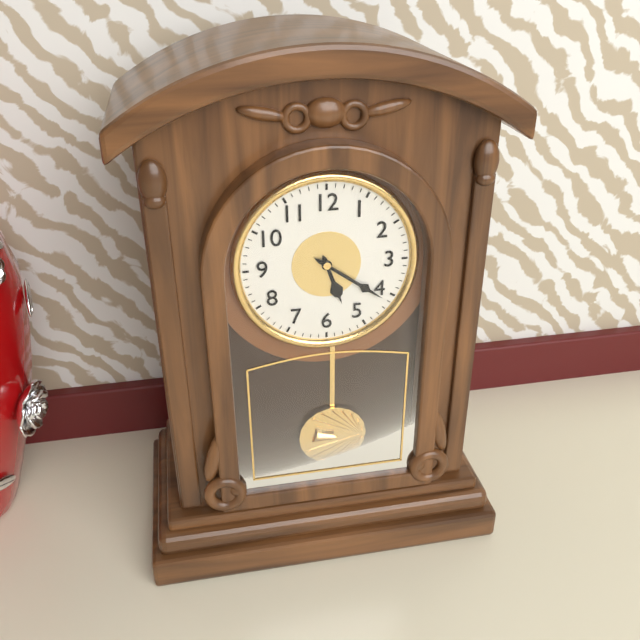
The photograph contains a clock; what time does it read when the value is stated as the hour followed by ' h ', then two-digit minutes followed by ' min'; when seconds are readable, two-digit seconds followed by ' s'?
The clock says 5 h 21 min
